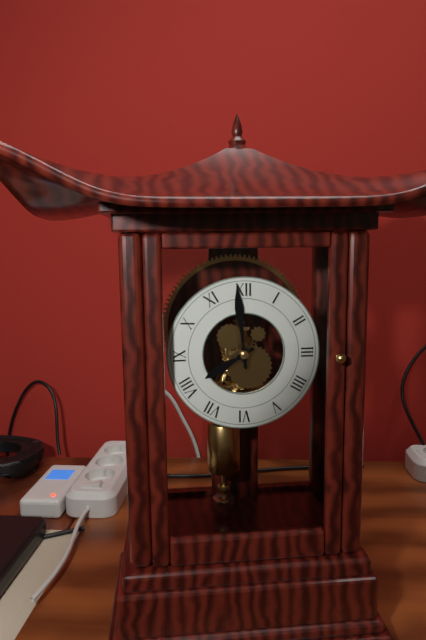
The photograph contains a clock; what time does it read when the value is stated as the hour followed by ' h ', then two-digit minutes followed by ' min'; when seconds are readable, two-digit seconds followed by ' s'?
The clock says 7 h 59 min
